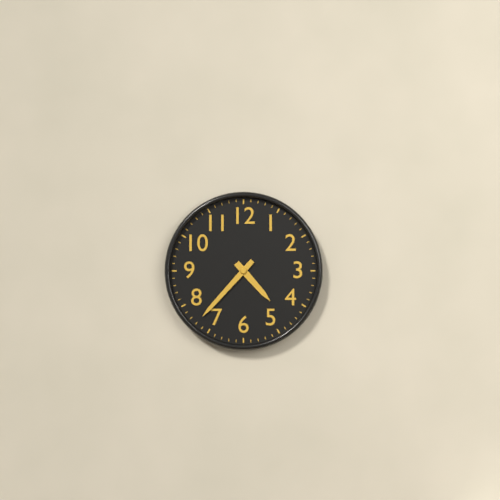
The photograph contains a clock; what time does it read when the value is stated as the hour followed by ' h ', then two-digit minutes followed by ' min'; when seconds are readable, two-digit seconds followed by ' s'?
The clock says 4 h 37 min
